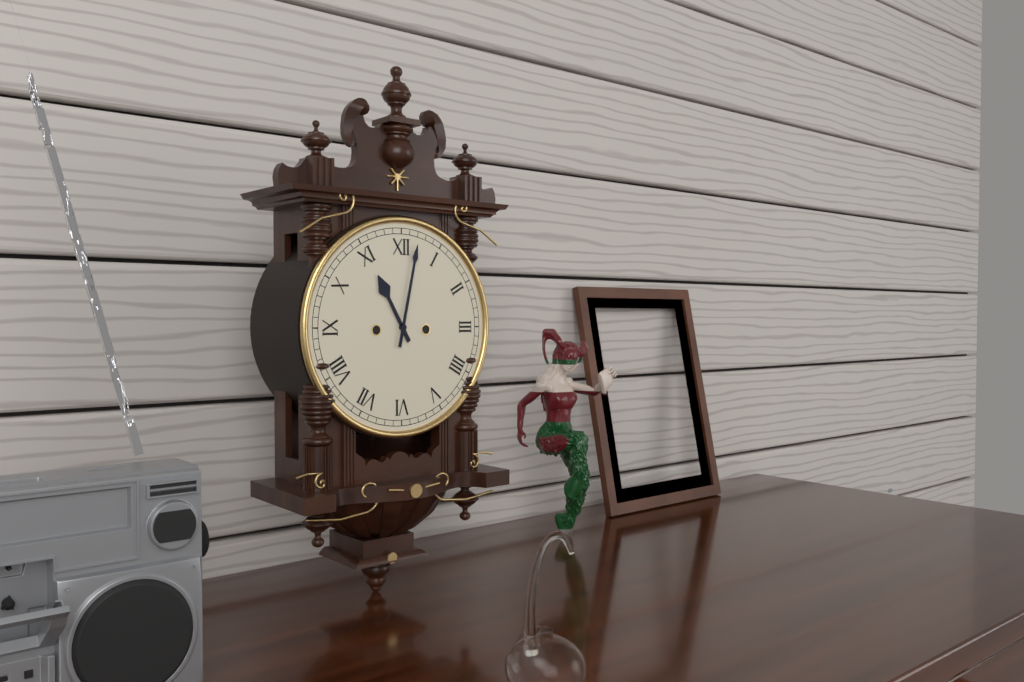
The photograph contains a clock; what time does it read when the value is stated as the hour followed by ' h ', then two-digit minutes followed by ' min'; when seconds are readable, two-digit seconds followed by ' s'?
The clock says 11 h 02 min
